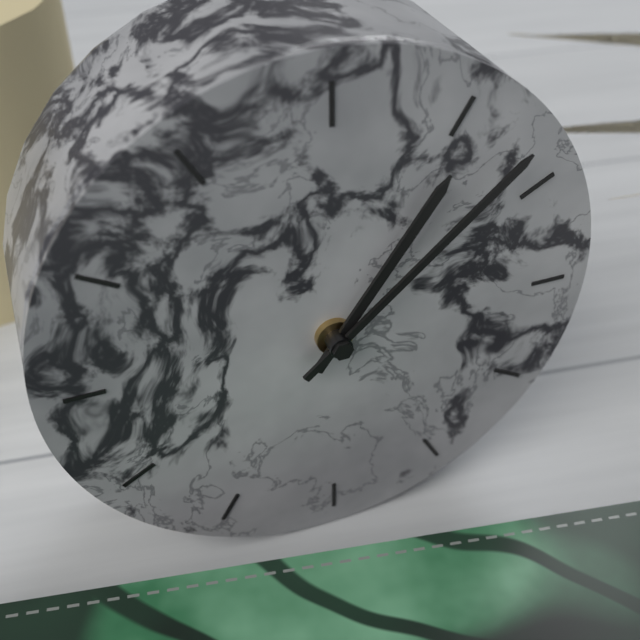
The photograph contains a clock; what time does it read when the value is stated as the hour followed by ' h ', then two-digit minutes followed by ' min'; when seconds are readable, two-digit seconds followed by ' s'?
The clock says 1 h 08 min
